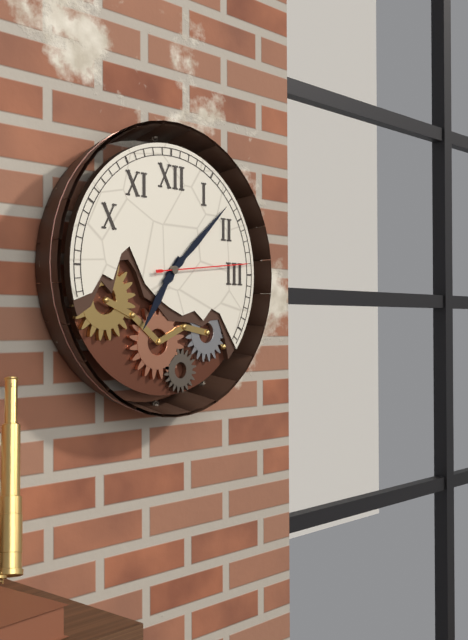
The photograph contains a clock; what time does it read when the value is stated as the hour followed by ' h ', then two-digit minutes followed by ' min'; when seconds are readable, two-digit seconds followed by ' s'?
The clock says 7 h 08 min 14 s
